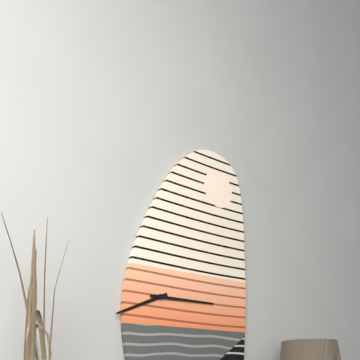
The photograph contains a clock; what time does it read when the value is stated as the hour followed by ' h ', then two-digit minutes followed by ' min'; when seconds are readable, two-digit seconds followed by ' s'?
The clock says 8 h 15 min
